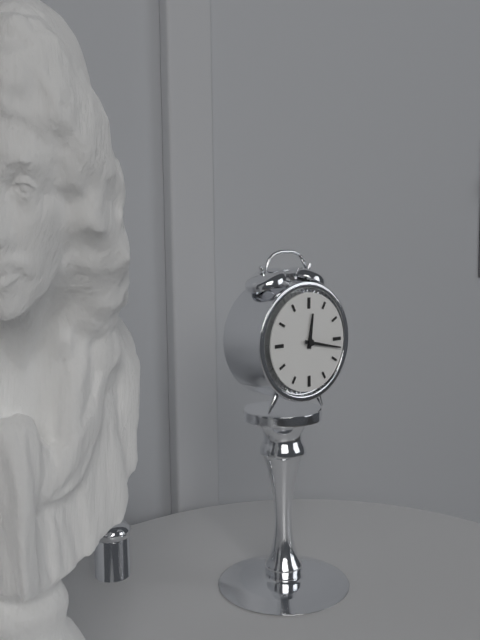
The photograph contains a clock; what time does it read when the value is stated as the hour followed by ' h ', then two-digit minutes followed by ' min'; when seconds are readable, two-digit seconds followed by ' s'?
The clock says 12 h 17 min
